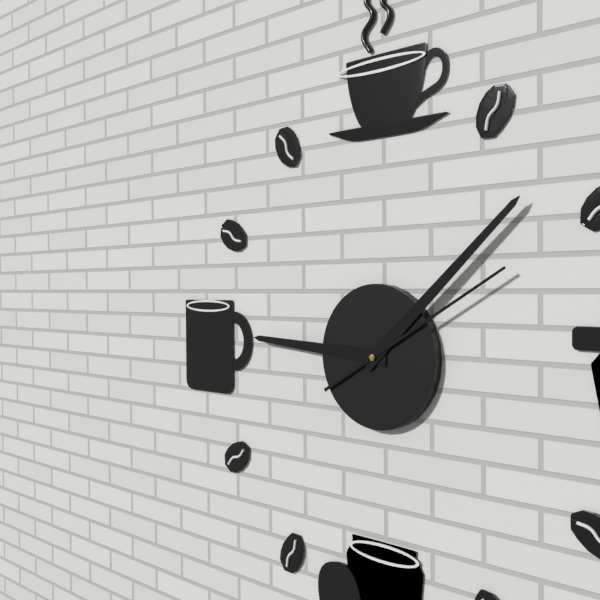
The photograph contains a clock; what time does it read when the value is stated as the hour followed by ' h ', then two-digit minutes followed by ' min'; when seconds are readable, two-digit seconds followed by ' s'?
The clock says 9 h 08 min 10 s
